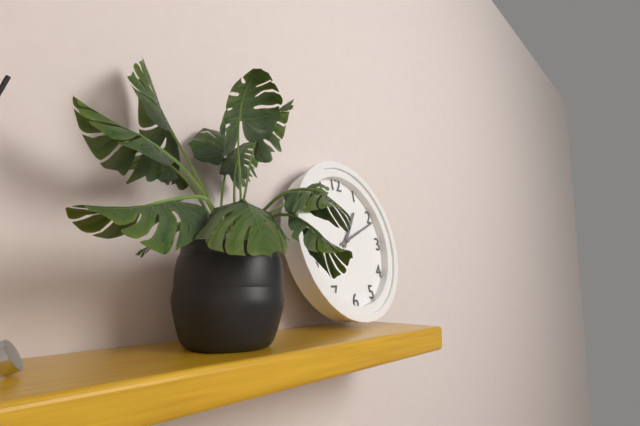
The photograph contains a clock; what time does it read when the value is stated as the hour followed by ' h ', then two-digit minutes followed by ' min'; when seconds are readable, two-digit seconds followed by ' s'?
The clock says 1 h 11 min
